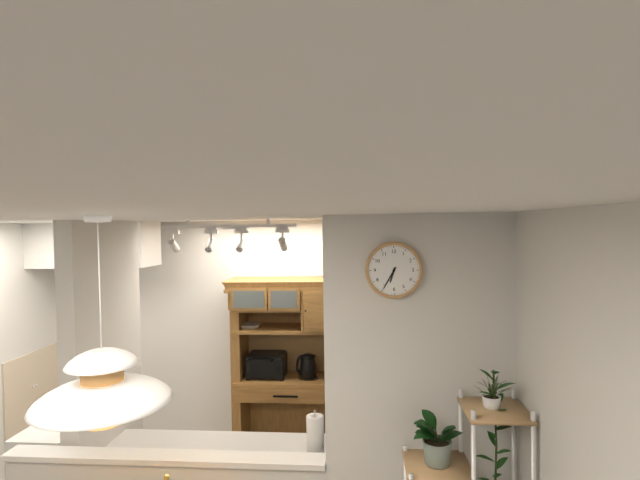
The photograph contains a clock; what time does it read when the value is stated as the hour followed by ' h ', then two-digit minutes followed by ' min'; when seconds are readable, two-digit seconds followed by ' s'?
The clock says 6 h 35 min
